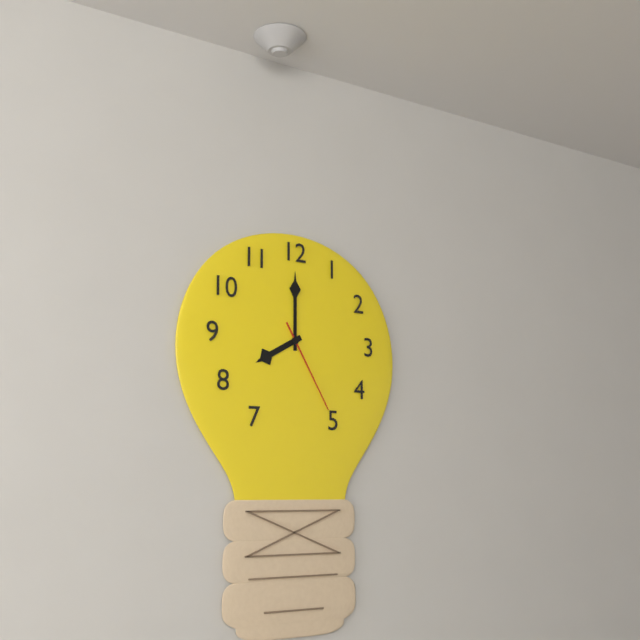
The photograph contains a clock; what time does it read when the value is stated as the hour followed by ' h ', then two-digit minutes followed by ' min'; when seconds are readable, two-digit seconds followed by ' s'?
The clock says 8 h 00 min 25 s
